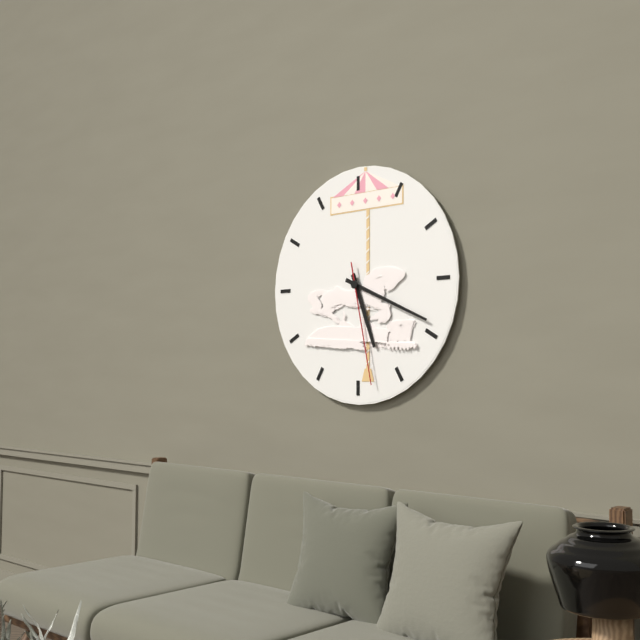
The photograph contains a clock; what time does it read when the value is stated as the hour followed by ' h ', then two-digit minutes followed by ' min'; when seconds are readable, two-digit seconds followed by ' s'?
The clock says 5 h 19 min 28 s
